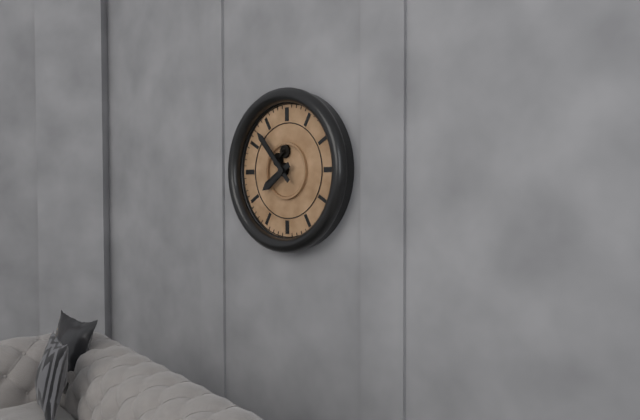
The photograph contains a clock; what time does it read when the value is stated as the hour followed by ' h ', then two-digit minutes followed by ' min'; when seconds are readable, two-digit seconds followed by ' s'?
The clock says 7 h 53 min
